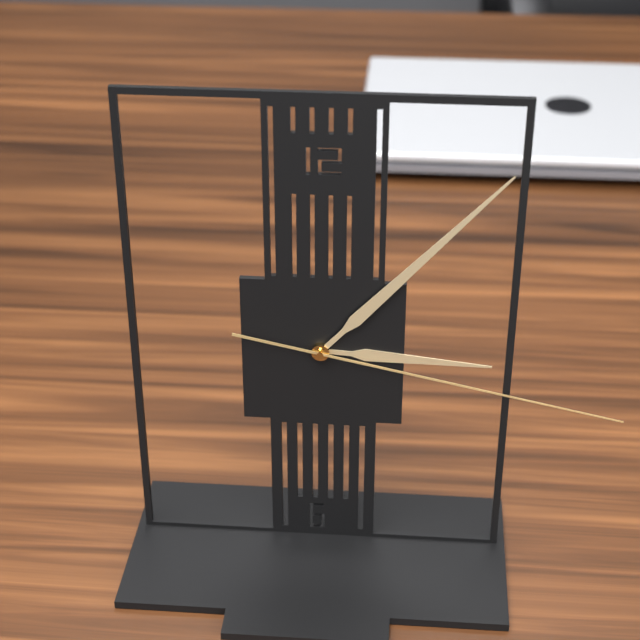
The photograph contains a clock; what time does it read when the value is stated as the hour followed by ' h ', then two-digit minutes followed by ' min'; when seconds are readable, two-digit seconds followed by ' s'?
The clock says 3 h 07 min 17 s
